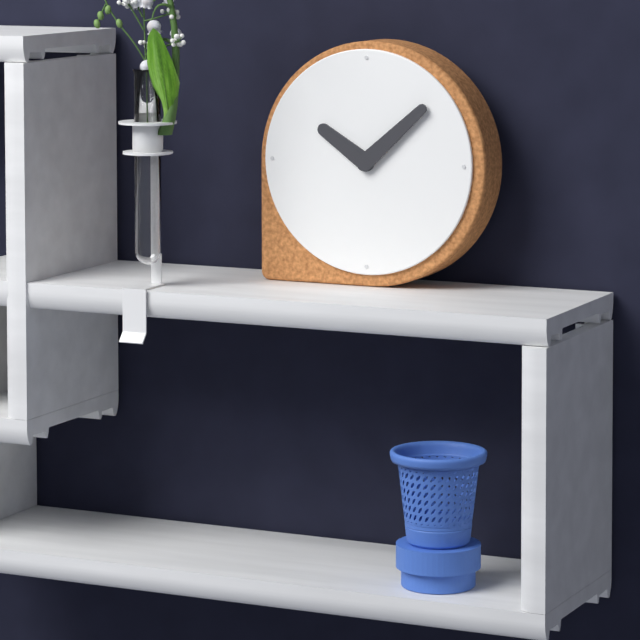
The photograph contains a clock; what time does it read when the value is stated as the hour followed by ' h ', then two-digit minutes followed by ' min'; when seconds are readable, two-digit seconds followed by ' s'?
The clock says 10 h 08 min
